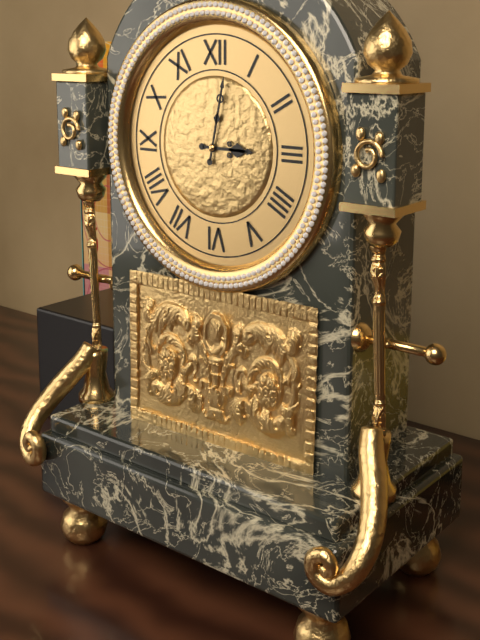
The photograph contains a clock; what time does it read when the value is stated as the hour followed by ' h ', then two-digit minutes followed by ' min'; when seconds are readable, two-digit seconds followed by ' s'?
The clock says 3 h 02 min
